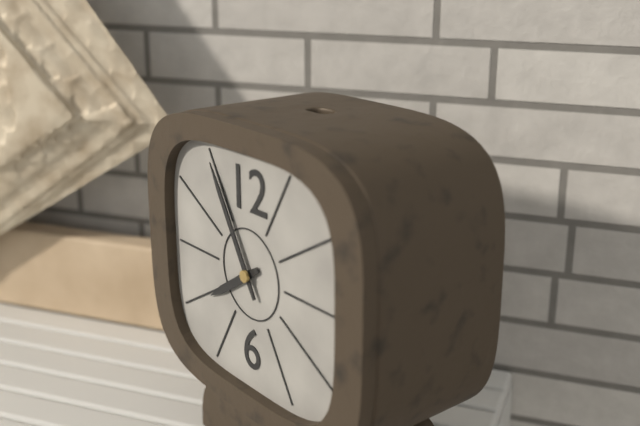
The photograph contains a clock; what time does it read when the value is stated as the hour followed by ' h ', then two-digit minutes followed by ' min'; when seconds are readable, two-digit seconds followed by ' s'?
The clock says 7 h 55 min
